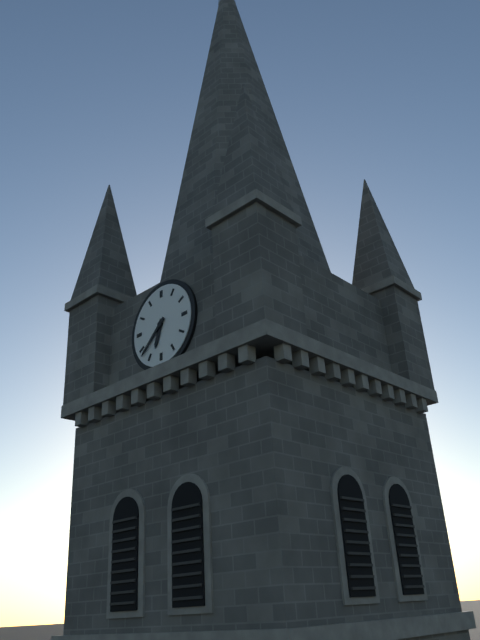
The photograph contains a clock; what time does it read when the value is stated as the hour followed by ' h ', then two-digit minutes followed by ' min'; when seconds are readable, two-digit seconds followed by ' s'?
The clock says 6 h 38 min
